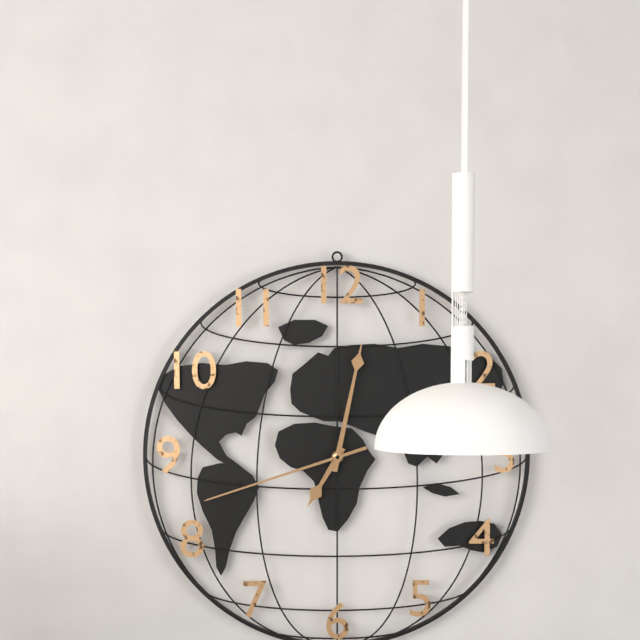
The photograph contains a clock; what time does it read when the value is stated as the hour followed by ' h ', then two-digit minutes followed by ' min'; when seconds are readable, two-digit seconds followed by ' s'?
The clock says 7 h 02 min 42 s
